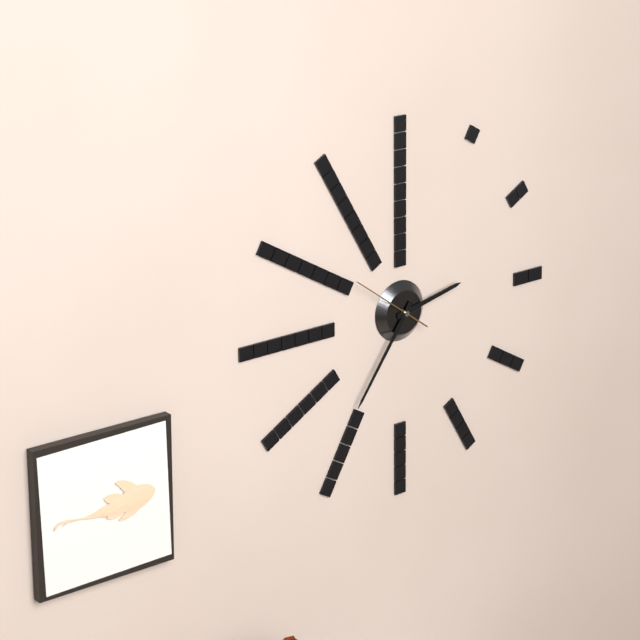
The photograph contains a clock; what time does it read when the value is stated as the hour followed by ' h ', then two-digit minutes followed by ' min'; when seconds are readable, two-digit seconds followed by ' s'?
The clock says 2 h 36 min 51 s
